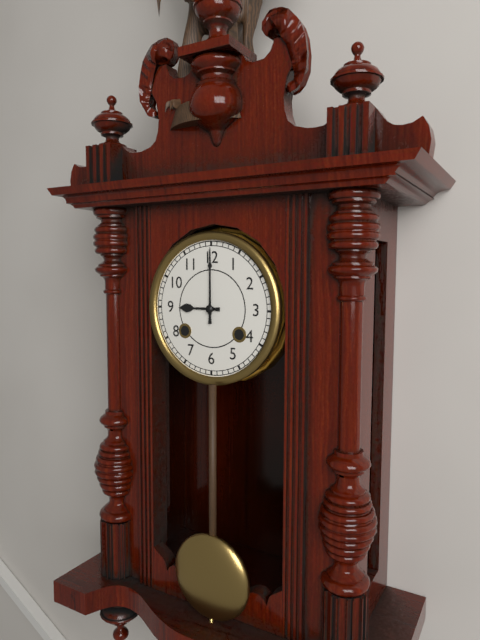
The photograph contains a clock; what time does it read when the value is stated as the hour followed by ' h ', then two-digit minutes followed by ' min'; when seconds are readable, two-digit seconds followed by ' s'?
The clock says 9 h 00 min
